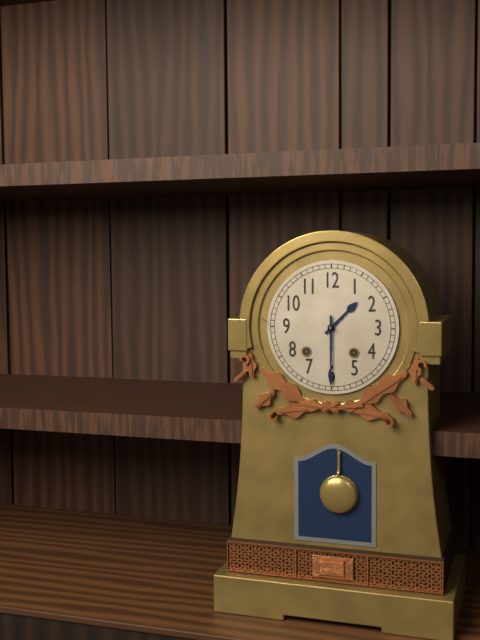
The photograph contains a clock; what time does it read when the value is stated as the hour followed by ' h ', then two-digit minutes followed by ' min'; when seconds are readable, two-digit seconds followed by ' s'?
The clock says 1 h 30 min
